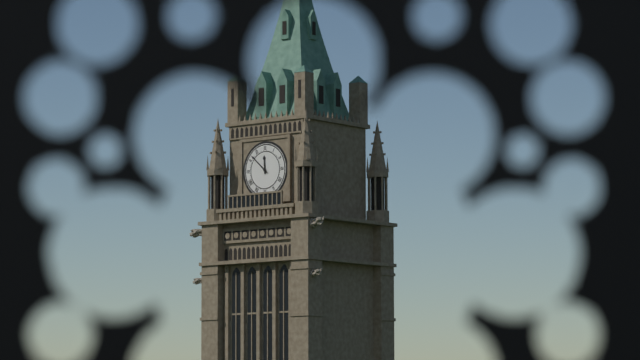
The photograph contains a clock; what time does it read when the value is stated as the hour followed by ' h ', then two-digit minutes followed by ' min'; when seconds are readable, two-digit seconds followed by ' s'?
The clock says 11 h 52 min
